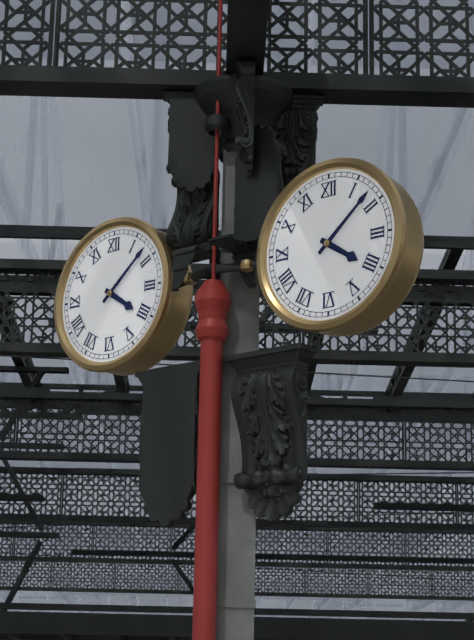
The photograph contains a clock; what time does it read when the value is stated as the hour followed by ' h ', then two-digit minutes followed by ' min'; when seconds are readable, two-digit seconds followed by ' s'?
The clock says 4 h 08 min
